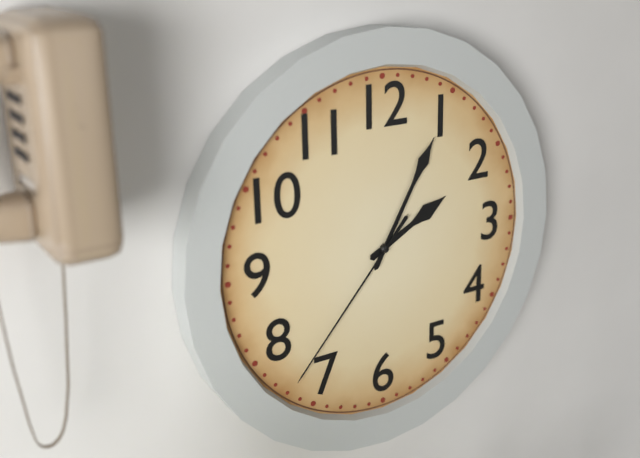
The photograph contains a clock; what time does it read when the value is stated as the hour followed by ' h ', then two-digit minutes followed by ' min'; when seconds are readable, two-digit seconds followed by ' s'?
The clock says 2 h 05 min 37 s
